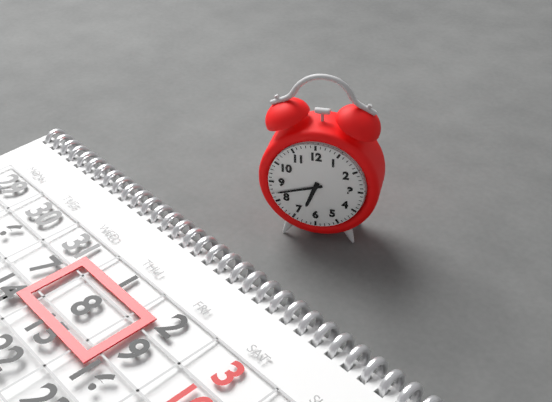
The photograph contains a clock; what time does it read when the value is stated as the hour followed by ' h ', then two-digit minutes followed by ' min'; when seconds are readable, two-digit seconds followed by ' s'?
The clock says 6 h 42 min
